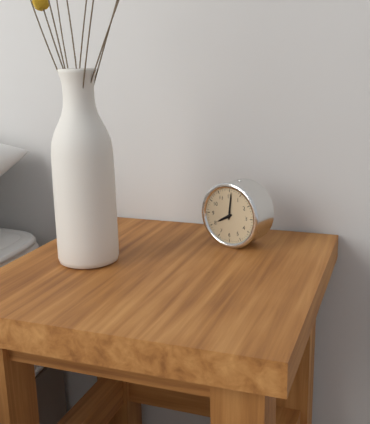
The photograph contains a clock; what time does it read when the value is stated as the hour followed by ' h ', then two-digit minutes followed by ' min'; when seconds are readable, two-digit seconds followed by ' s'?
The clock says 8 h 01 min
